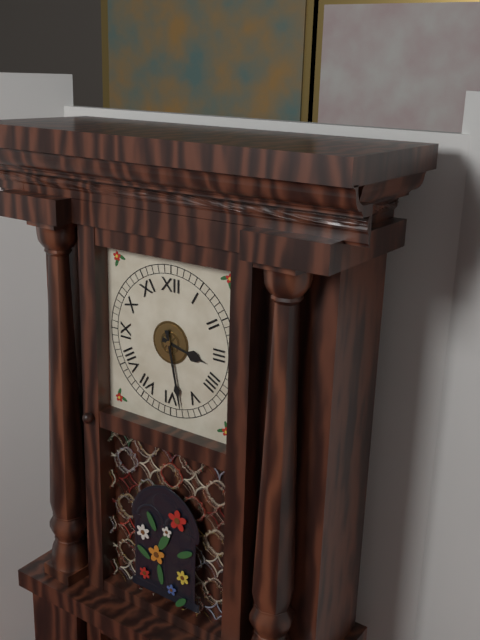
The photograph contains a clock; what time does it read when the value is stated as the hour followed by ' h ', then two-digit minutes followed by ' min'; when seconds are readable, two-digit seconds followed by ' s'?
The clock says 3 h 28 min
